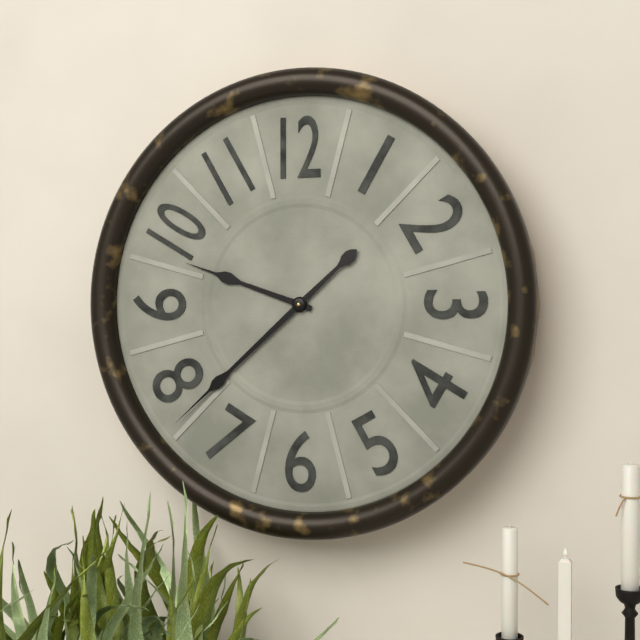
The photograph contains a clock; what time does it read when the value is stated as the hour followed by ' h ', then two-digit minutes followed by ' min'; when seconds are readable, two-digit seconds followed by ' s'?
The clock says 9 h 38 min
